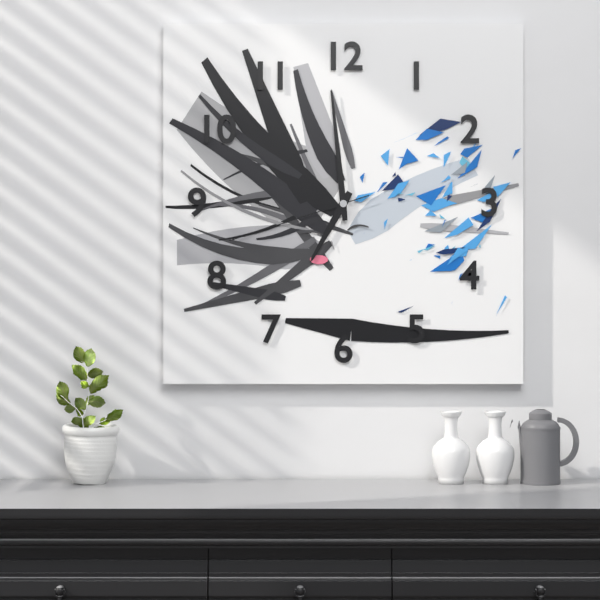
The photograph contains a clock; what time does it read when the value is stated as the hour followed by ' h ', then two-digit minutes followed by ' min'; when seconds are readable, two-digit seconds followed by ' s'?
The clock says 6 h 59 min 42 s
